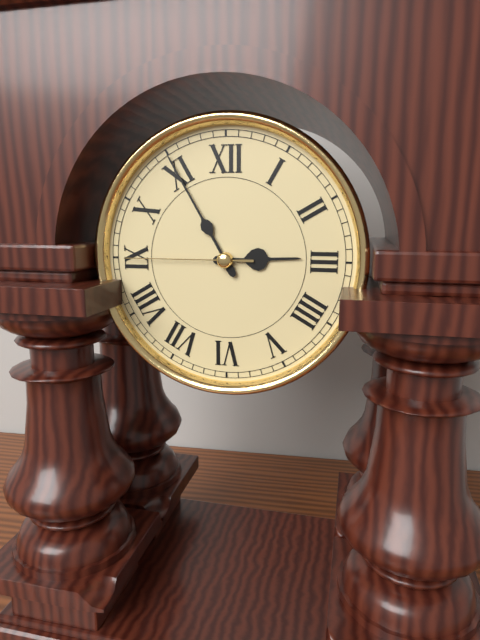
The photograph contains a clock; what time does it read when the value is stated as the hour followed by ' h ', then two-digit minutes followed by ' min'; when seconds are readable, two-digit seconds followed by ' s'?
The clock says 2 h 55 min 45 s
